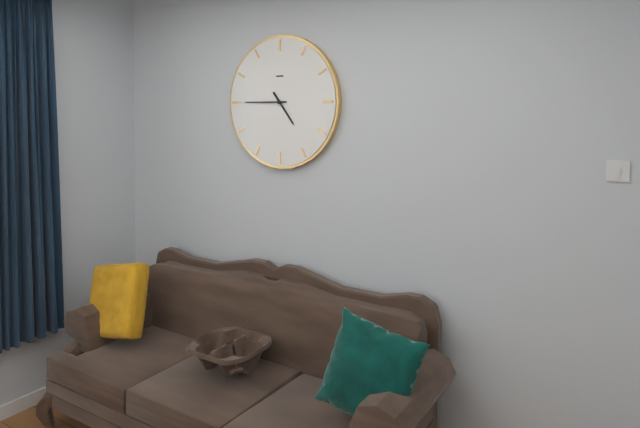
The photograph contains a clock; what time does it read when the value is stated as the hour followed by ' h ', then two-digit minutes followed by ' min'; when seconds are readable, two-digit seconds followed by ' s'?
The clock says 4 h 45 min
